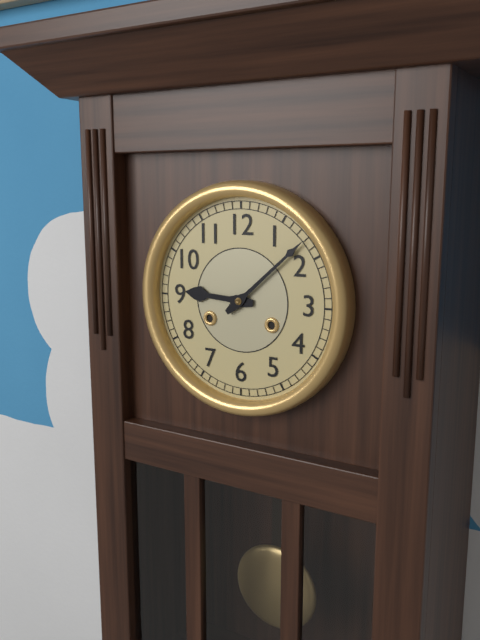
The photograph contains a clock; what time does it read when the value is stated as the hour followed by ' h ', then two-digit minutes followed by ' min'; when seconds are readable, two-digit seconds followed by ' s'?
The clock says 9 h 08 min
